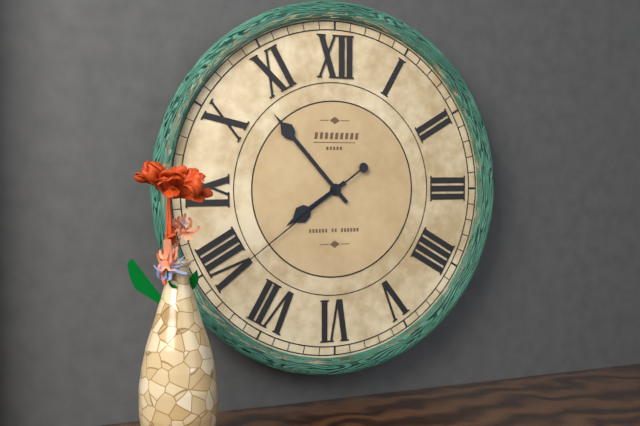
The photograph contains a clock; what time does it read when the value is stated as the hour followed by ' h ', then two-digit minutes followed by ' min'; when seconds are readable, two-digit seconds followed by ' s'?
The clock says 7 h 53 min 39 s
